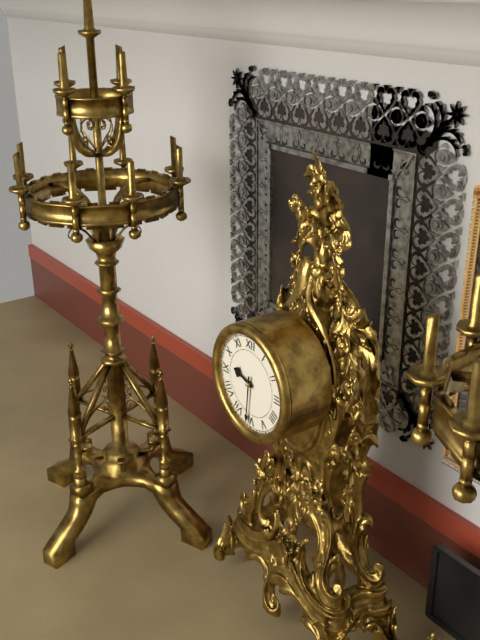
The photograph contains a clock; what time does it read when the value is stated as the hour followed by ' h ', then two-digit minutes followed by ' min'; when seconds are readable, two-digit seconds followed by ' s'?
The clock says 9 h 31 min
